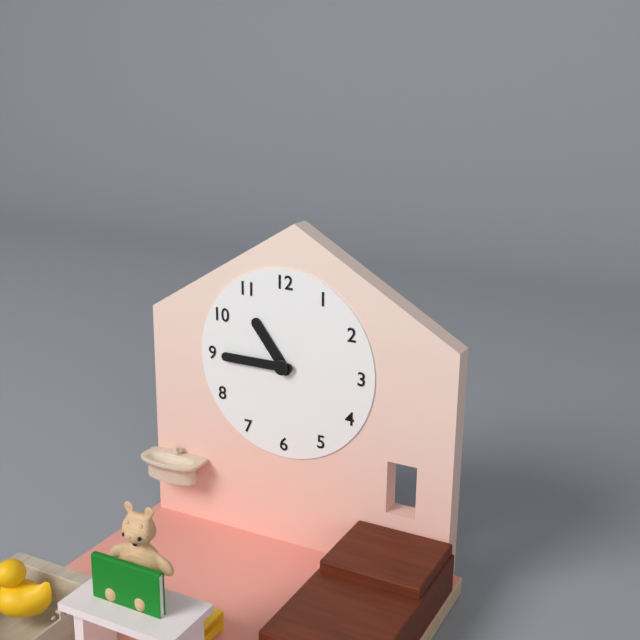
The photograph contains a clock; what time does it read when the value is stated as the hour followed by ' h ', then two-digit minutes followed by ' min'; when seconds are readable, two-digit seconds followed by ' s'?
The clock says 10 h 45 min
